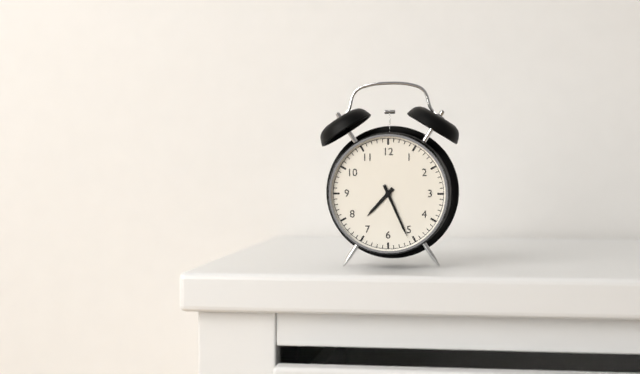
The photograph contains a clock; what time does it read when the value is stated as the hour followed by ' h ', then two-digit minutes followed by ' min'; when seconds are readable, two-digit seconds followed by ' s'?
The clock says 7 h 26 min
